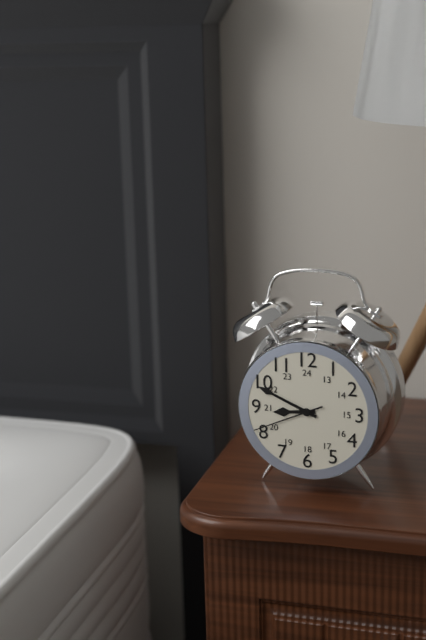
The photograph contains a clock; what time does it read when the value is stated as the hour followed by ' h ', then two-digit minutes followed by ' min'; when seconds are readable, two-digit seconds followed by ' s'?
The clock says 8 h 49 min 41 s
